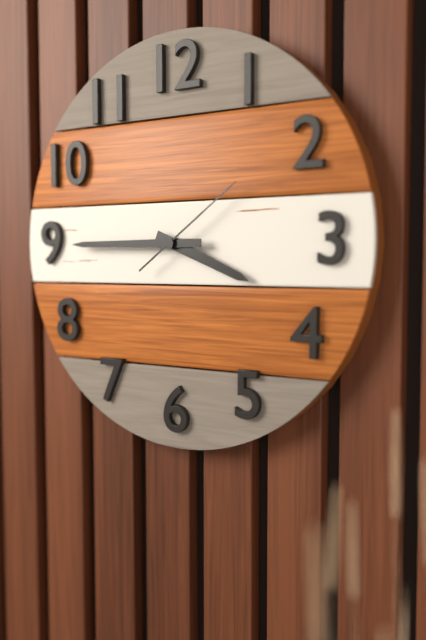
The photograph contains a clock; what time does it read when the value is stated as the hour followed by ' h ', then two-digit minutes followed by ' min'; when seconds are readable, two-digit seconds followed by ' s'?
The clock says 3 h 45 min 09 s
